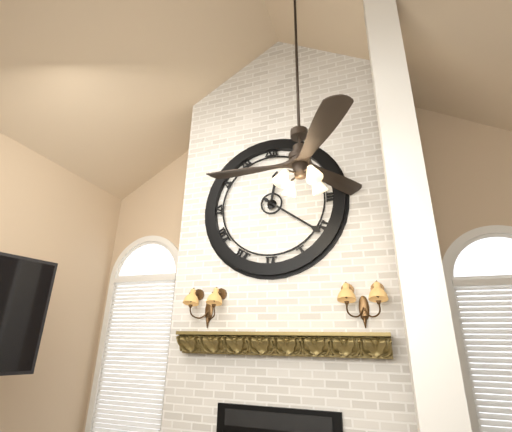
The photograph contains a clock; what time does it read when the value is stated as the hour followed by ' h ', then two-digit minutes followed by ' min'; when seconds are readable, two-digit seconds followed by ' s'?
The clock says 12 h 21 min
